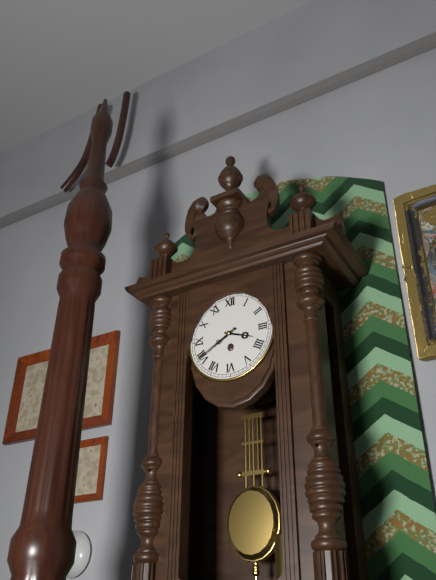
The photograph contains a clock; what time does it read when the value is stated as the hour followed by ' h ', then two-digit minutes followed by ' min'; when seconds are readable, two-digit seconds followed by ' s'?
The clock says 3 h 40 min
